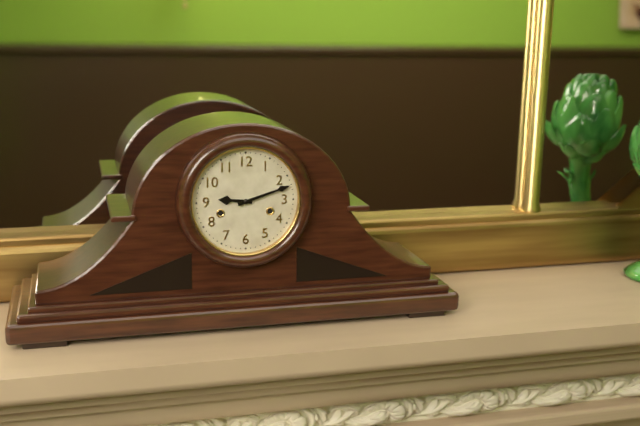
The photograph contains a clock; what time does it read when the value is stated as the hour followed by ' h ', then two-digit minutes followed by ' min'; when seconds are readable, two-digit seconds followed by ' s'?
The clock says 9 h 12 min
